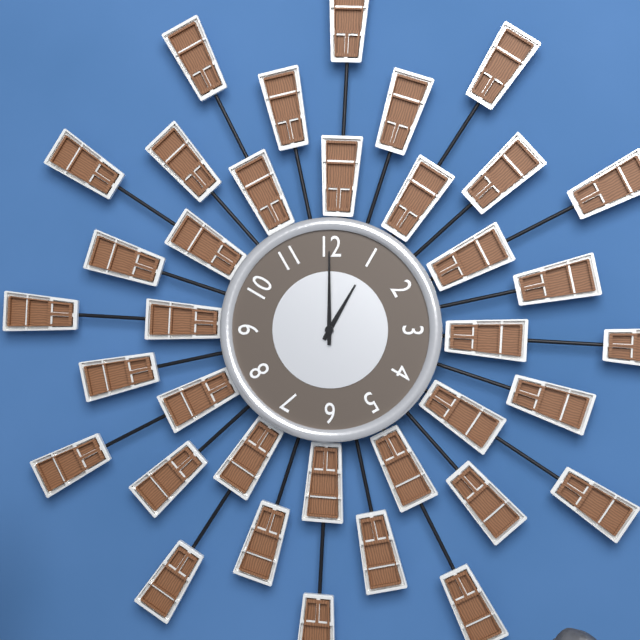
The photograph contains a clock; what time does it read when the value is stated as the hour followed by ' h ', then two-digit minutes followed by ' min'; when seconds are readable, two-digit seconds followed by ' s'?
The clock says 1 h 00 min
